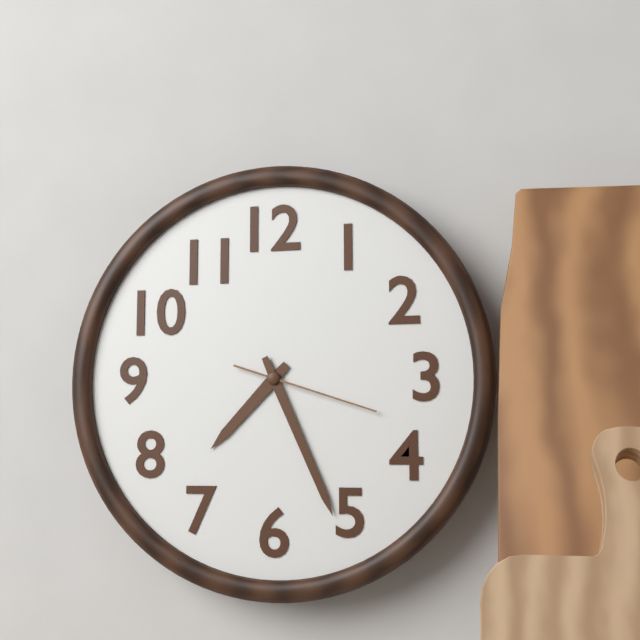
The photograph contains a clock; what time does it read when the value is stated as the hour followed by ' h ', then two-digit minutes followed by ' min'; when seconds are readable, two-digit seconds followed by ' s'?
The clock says 7 h 26 min 18 s
